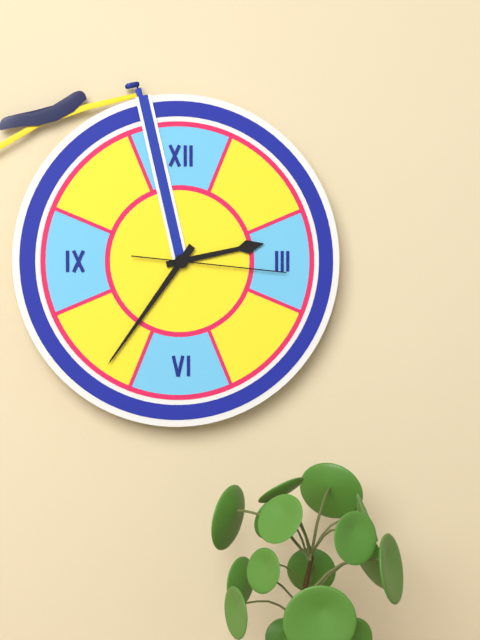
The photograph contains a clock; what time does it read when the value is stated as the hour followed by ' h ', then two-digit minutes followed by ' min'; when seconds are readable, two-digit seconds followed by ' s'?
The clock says 2 h 36 min 16 s
